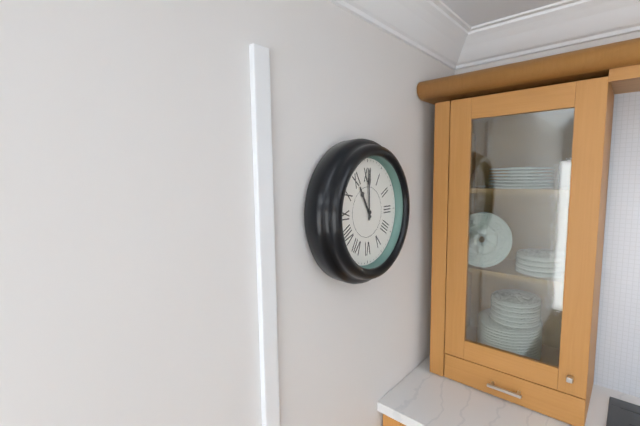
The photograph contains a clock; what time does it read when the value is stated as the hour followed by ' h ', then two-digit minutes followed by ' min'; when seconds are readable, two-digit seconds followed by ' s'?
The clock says 11 h 00 min
